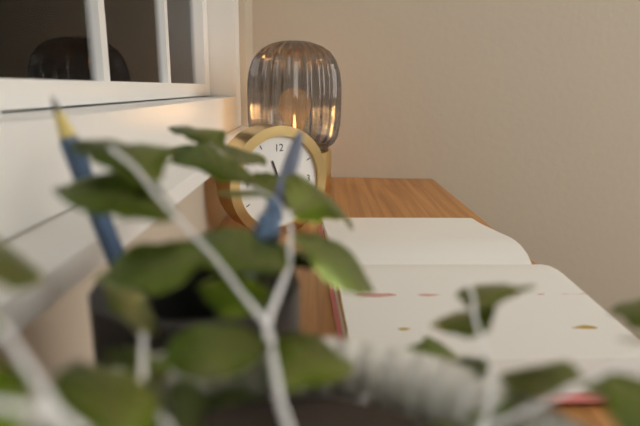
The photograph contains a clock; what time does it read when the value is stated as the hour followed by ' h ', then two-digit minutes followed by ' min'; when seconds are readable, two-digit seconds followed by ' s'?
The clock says 11 h 19 min
